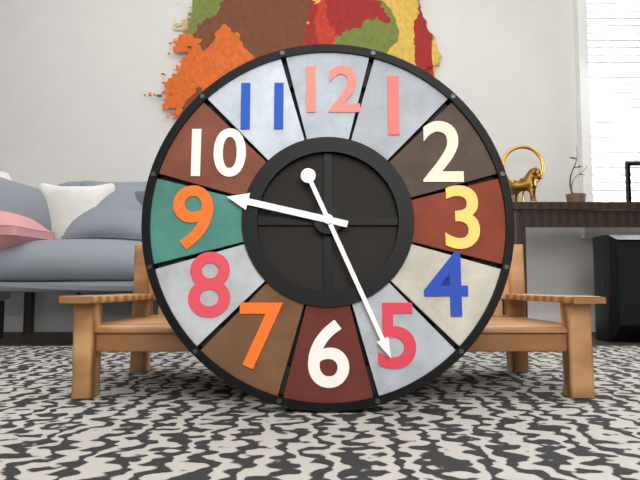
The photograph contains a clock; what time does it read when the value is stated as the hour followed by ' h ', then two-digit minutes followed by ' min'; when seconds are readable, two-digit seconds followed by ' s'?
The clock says 9 h 26 min
